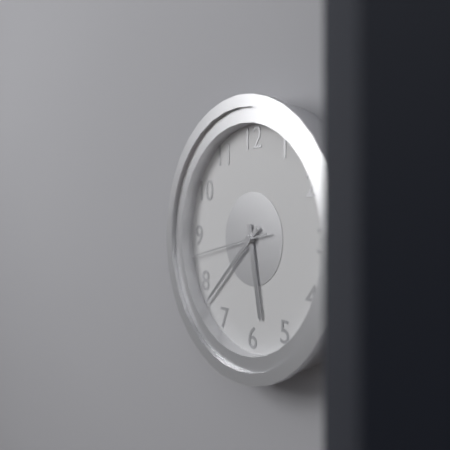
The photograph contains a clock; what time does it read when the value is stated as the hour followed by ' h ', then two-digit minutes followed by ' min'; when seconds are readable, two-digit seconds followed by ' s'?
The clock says 5 h 38 min 43 s
